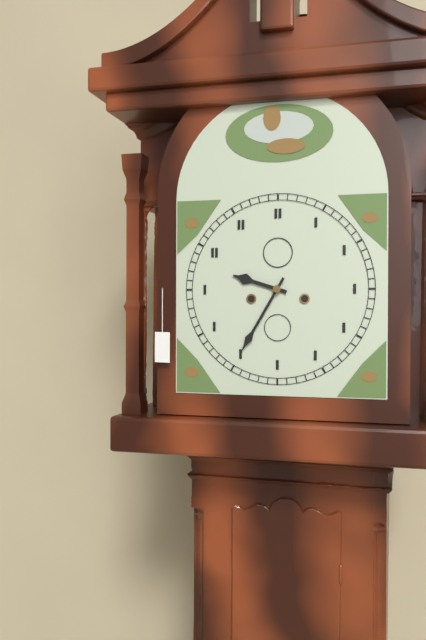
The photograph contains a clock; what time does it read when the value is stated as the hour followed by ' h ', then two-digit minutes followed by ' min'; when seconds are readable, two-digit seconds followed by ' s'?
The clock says 9 h 35 min
